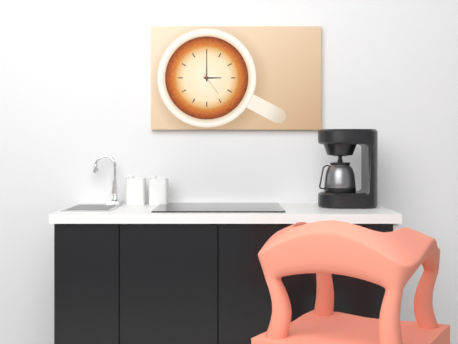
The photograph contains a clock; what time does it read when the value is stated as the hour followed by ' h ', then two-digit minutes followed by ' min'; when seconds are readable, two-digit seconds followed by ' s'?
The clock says 3 h 00 min
